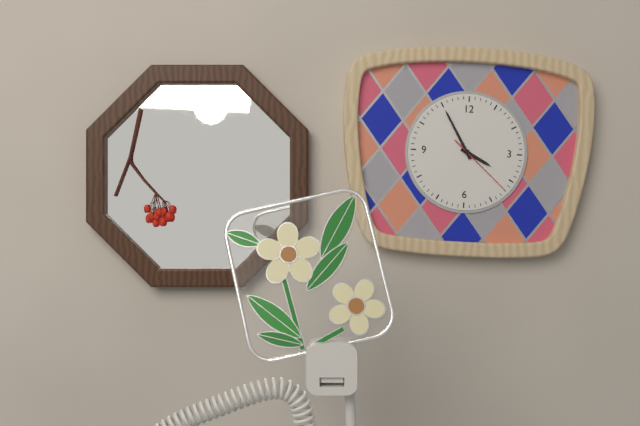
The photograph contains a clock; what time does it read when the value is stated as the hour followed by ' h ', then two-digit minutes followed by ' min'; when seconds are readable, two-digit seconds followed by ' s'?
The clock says 3 h 55 min 22 s
